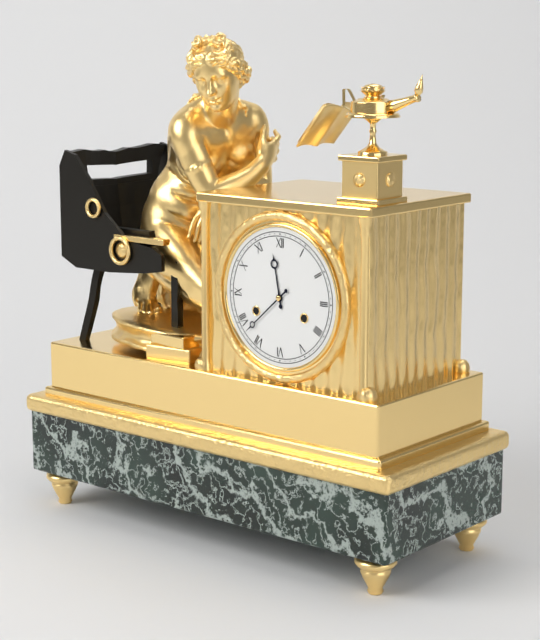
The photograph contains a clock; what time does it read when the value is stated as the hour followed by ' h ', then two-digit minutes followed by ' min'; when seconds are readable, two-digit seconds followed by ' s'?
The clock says 11 h 38 min
